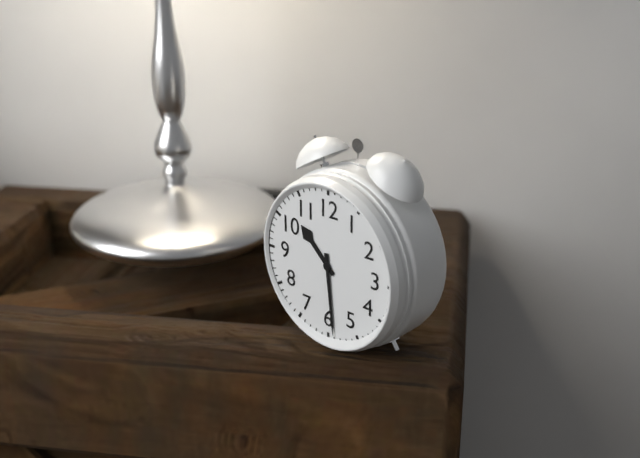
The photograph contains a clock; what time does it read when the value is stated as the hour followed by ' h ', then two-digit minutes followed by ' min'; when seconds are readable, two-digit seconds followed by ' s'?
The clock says 10 h 29 min
